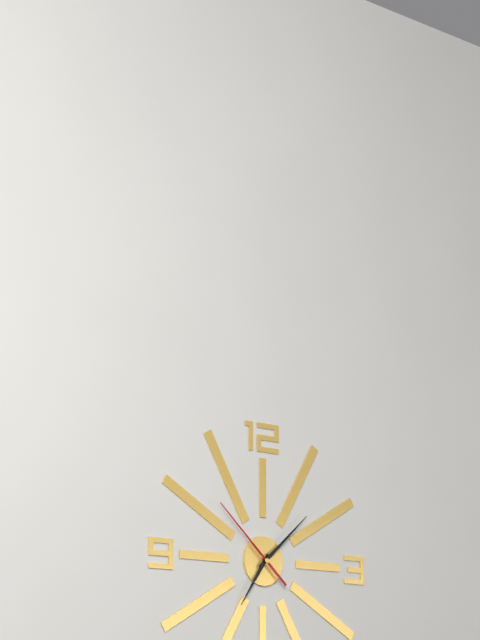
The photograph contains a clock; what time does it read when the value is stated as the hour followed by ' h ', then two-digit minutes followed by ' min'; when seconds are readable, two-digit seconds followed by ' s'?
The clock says 7 h 08 min 52 s
